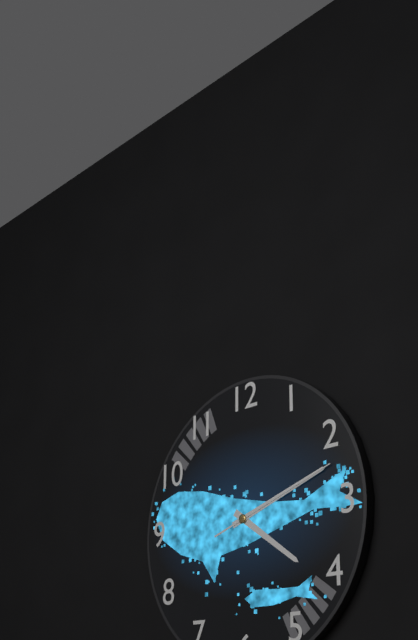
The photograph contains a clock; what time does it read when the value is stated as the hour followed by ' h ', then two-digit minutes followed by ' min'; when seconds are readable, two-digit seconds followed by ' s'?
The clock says 4 h 12 min 12 s
